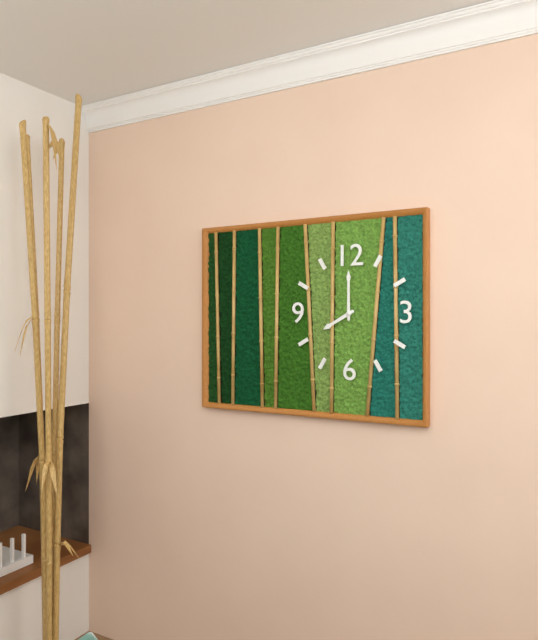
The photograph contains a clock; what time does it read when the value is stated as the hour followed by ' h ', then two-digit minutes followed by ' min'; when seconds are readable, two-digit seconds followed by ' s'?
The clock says 8 h 00 min
